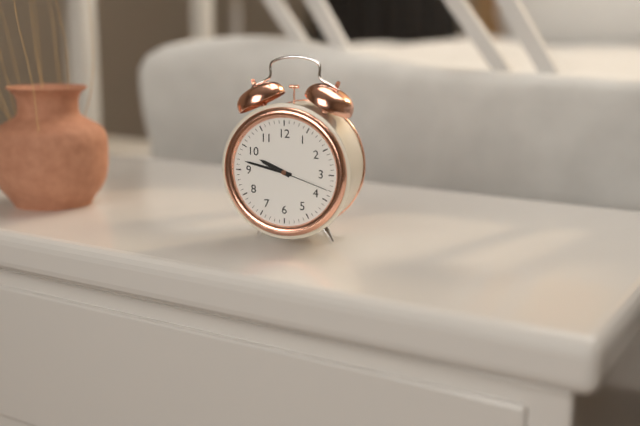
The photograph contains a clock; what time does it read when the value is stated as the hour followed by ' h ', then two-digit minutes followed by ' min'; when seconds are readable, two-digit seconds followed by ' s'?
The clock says 9 h 47 min 18 s
